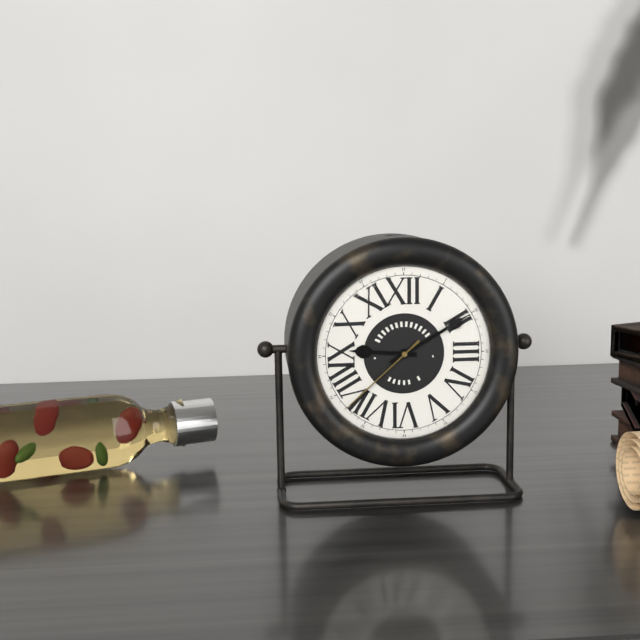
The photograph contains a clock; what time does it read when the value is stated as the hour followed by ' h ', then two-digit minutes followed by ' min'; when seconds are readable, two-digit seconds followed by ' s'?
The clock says 9 h 10 min 38 s
